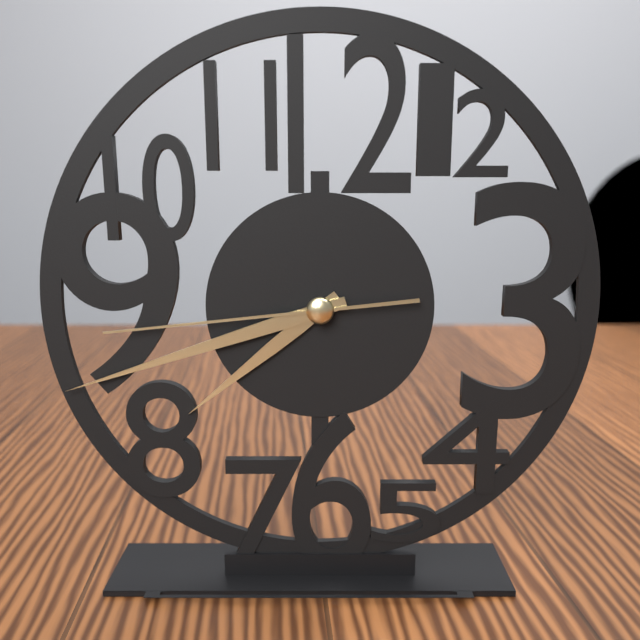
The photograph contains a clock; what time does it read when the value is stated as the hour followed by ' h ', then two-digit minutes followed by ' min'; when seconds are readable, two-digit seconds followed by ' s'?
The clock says 7 h 42 min 44 s
